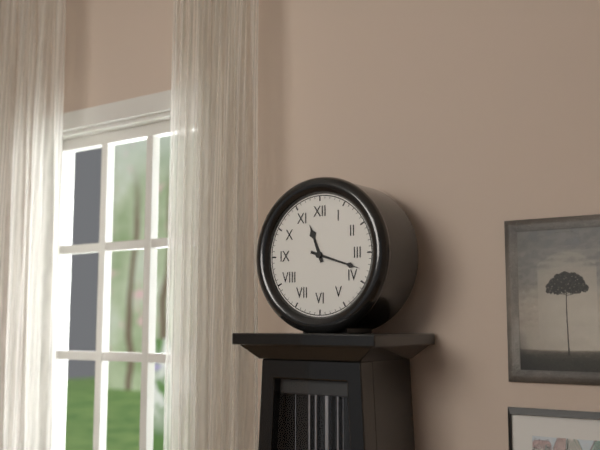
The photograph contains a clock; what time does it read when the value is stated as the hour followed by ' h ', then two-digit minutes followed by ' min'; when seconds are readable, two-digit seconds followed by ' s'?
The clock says 11 h 18 min
